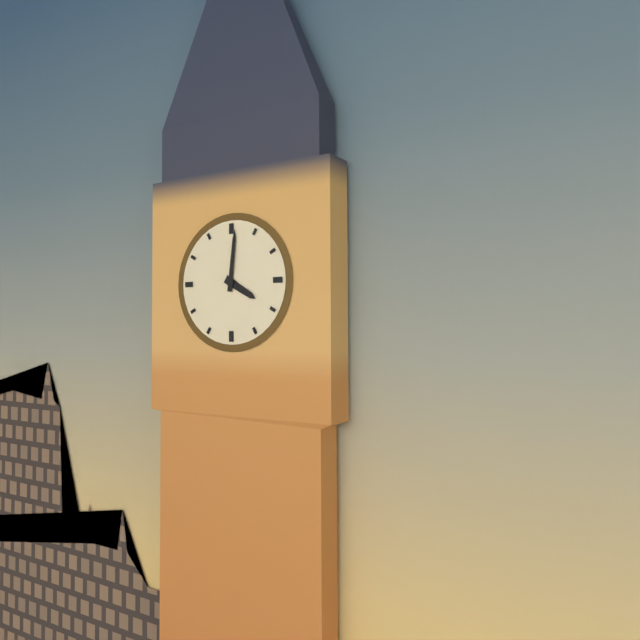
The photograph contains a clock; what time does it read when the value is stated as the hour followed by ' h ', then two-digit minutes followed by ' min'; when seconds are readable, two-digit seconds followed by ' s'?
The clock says 4 h 01 min
